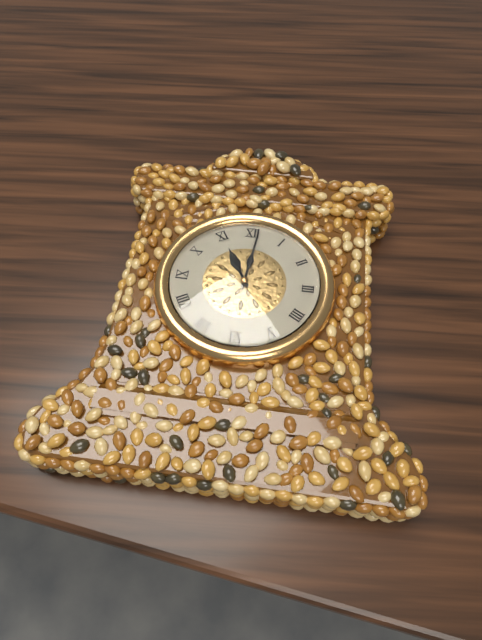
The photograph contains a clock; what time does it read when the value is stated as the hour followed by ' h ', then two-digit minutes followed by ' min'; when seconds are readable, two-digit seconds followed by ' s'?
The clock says 11 h 01 min
